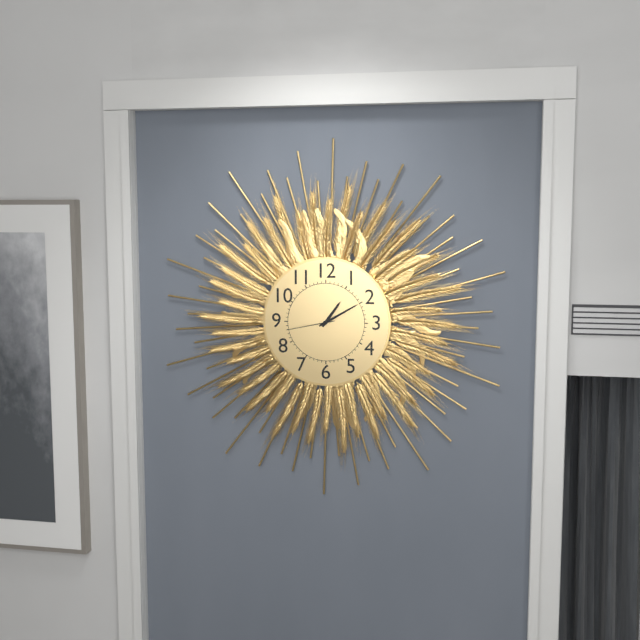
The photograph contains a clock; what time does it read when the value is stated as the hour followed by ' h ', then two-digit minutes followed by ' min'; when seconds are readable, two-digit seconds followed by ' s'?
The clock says 1 h 10 min
